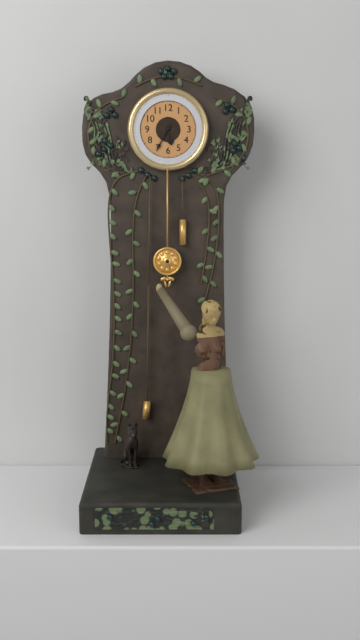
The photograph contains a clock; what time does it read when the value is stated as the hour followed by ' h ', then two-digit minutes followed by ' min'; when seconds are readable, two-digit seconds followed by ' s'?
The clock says 5 h 35 min
